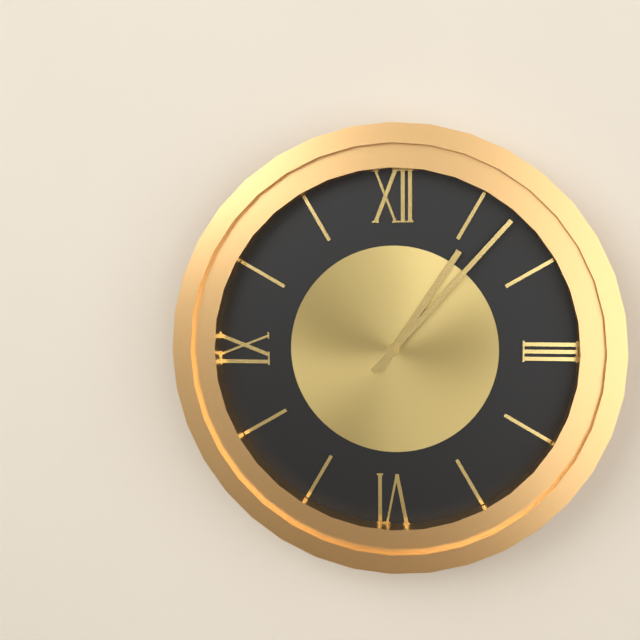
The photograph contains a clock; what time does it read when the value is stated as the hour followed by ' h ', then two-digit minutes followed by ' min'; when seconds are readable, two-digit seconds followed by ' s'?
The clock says 1 h 07 min
